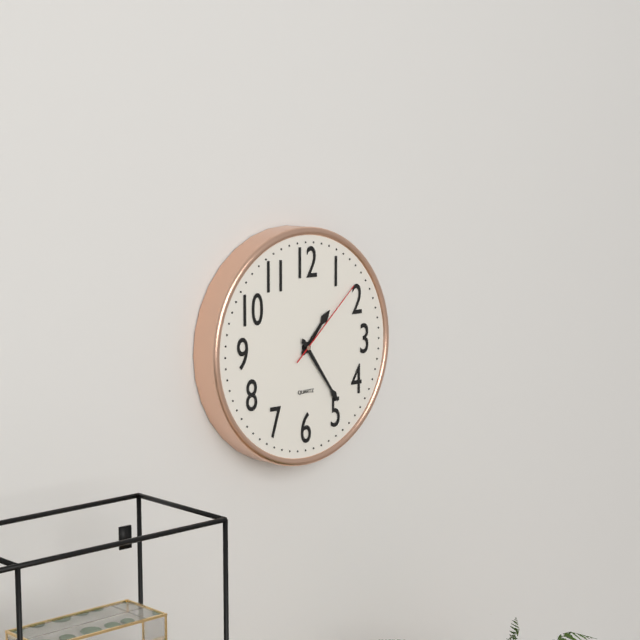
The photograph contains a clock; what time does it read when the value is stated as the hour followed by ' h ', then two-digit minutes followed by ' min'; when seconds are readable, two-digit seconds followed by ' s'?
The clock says 1 h 24 min 08 s
